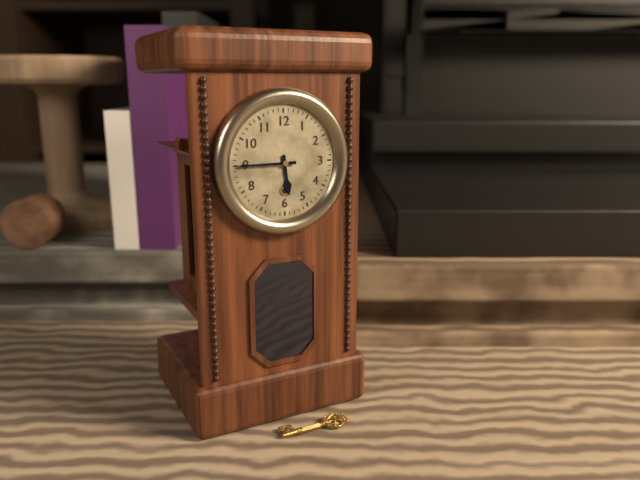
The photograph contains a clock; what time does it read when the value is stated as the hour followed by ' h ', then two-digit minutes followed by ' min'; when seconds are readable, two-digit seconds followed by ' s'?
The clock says 5 h 45 min
